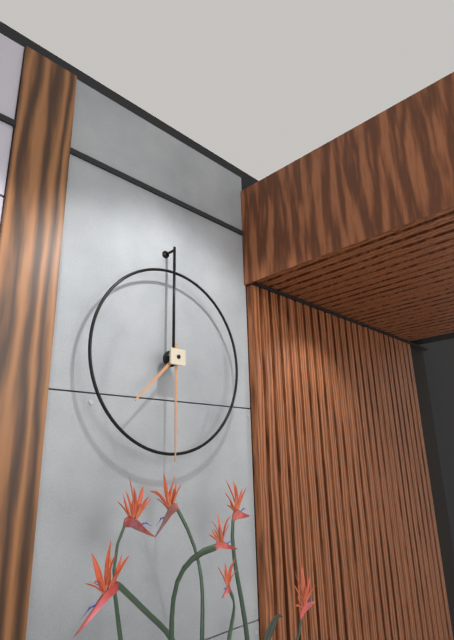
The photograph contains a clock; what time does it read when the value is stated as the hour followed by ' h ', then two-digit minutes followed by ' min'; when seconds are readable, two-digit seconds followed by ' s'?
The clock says 7 h 30 min
